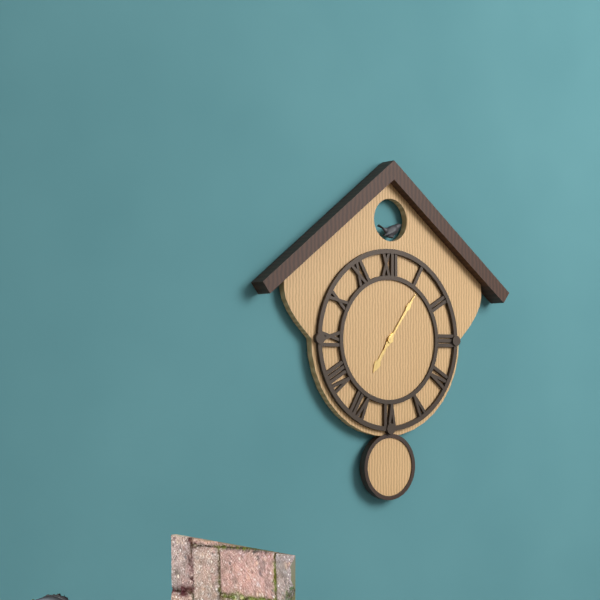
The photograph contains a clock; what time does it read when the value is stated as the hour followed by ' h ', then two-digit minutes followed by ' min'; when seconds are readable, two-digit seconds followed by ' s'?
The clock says 7 h 06 min
